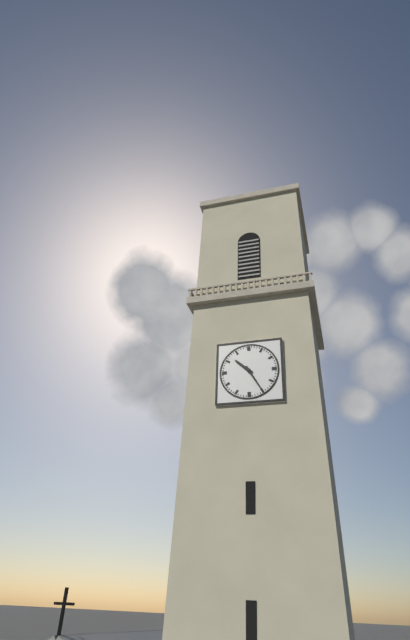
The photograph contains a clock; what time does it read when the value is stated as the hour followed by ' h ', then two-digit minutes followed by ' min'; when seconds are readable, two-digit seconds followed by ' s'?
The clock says 10 h 25 min
